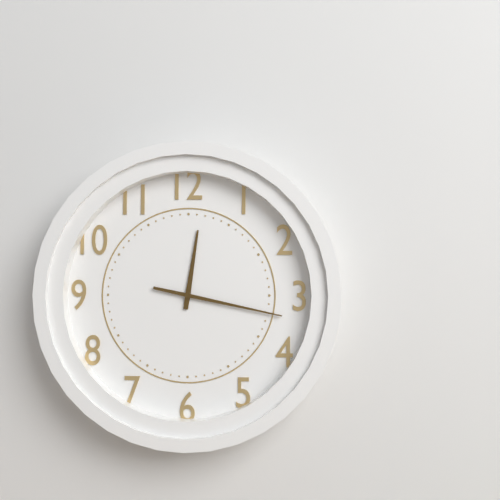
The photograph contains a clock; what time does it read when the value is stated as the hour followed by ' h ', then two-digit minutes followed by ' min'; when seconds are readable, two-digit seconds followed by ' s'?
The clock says 12 h 17 min
